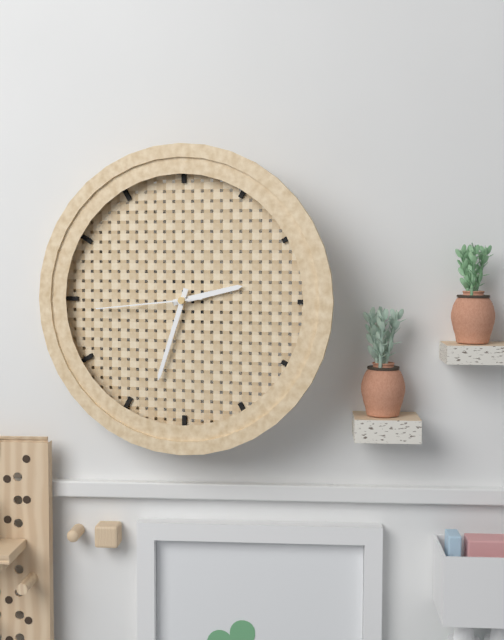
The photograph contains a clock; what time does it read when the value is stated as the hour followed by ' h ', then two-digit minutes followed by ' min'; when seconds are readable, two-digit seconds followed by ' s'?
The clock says 2 h 33 min 44 s
